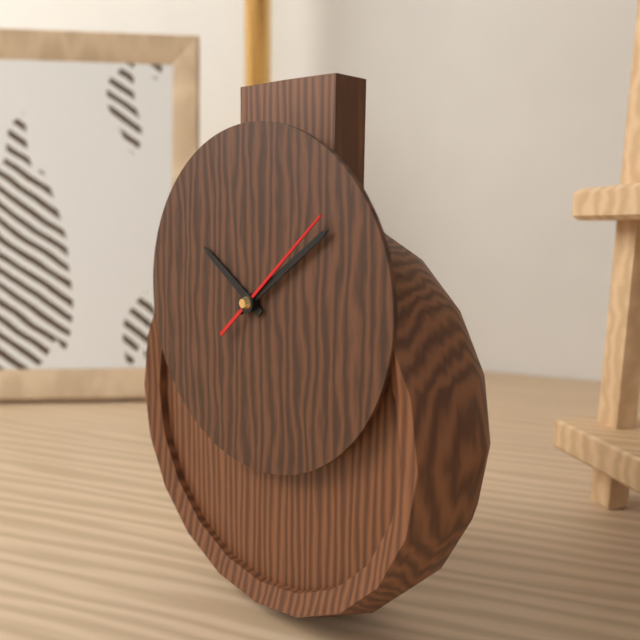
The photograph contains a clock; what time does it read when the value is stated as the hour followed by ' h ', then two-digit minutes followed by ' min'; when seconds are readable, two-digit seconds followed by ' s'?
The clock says 10 h 09 min 08 s
